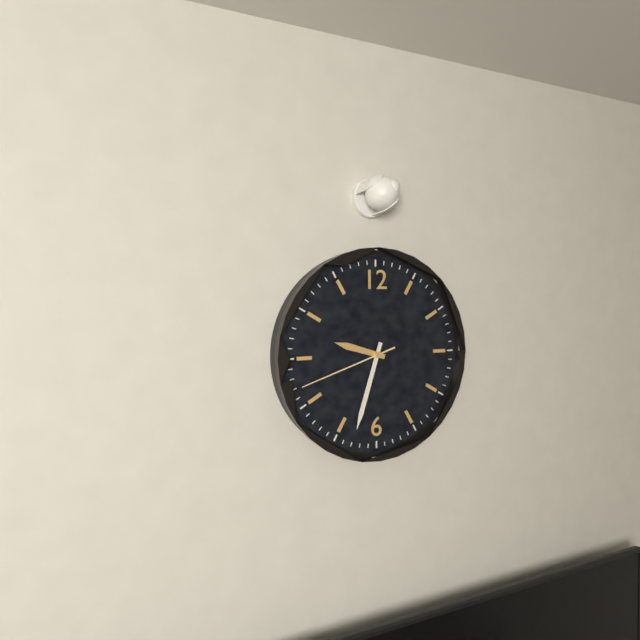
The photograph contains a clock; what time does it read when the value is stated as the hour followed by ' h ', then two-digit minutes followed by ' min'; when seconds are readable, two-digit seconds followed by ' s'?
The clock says 9 h 33 min 42 s
